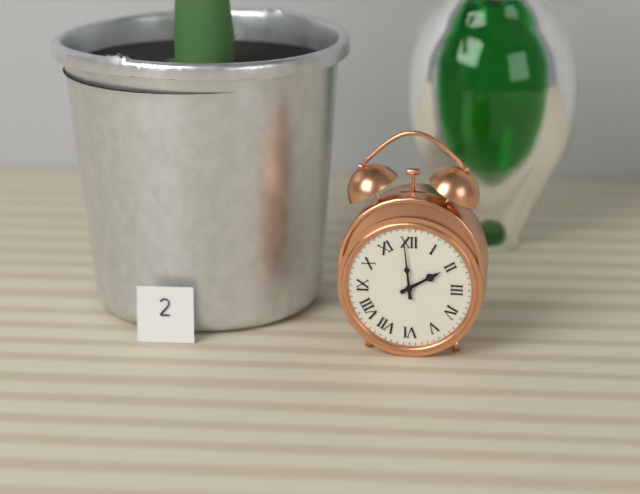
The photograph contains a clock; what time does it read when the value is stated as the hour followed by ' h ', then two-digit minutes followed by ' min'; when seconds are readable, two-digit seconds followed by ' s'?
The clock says 1 h 59 min
